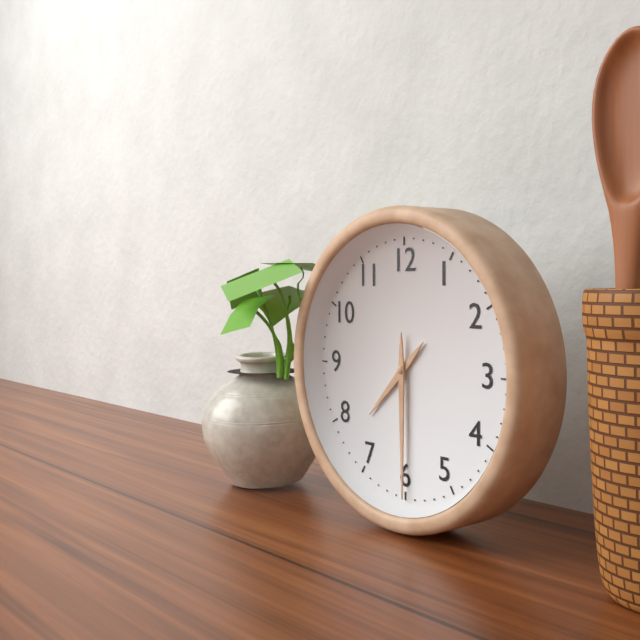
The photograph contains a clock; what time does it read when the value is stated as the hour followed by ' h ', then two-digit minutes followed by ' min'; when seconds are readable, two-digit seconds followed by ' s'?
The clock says 7 h 30 min
